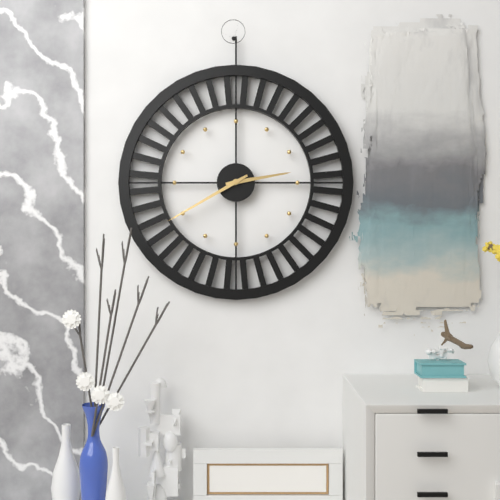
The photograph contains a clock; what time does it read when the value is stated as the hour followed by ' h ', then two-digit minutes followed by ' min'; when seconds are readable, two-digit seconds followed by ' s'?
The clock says 2 h 40 min
